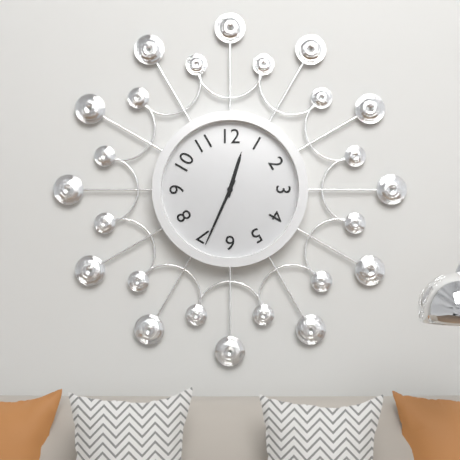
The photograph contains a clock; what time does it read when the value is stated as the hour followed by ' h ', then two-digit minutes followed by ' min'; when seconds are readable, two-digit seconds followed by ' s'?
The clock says 12 h 34 min
